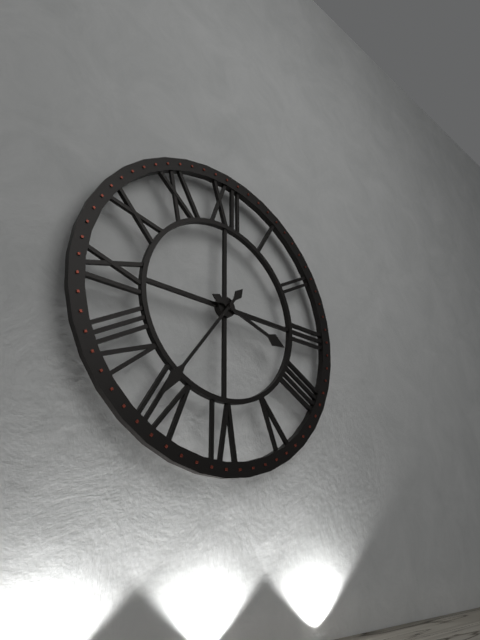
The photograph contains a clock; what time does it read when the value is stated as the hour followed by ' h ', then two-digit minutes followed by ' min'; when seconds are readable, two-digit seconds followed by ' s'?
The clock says 3 h 36 min
